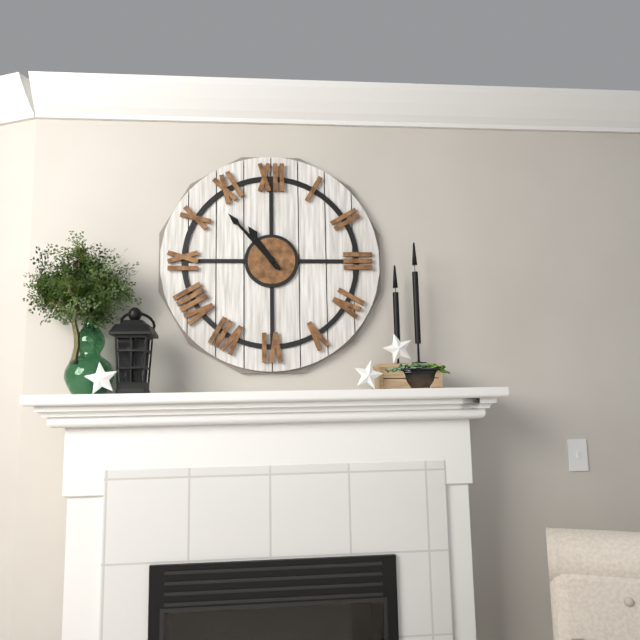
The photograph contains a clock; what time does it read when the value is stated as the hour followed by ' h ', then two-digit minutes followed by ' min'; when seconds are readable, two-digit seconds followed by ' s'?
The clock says 10 h 53 min
